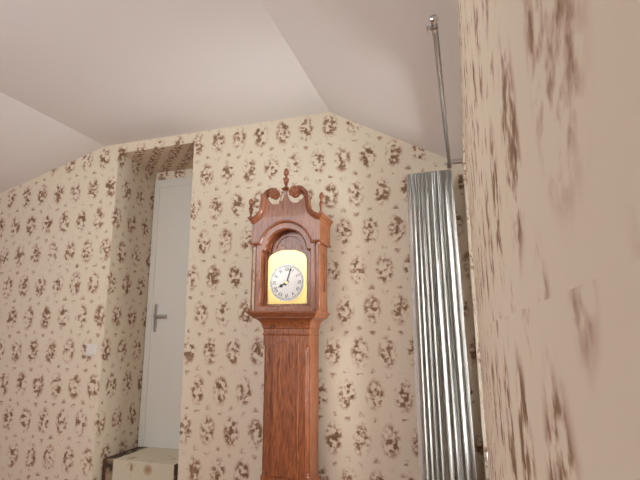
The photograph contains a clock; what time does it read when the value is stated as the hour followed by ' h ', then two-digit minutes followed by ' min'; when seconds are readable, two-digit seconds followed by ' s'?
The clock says 8 h 03 min
